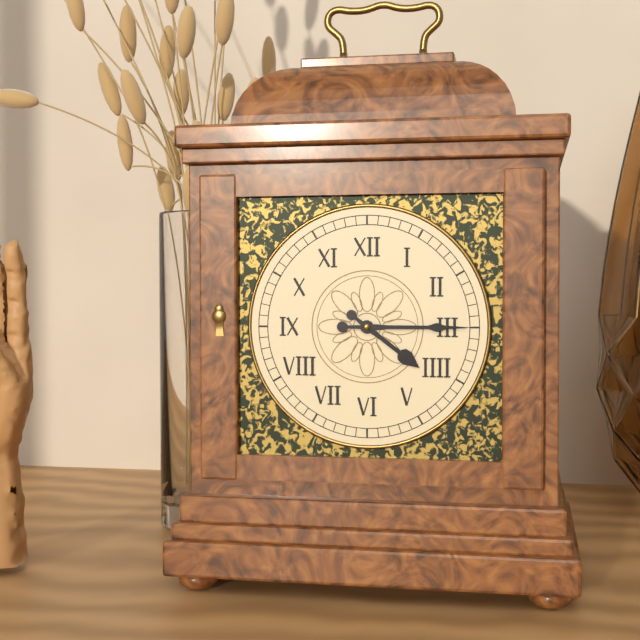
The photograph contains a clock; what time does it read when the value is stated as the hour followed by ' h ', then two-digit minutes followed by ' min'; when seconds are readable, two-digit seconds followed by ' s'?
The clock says 4 h 15 min
